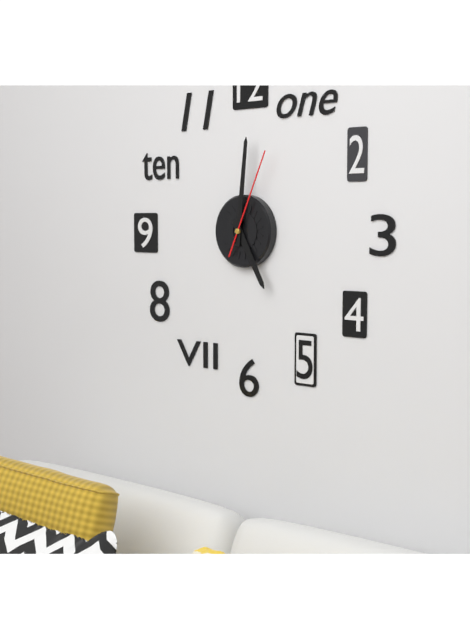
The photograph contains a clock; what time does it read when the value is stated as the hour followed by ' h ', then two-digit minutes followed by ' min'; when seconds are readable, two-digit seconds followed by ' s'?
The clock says 5 h 01 min 04 s
